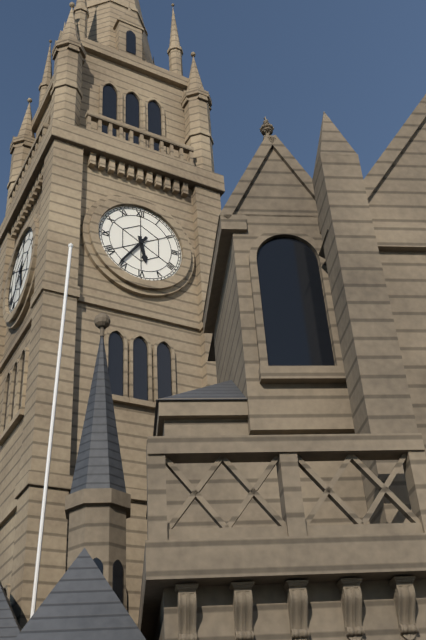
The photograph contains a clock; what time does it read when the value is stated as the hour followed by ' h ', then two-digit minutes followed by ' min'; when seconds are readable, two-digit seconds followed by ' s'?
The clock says 5 h 36 min
